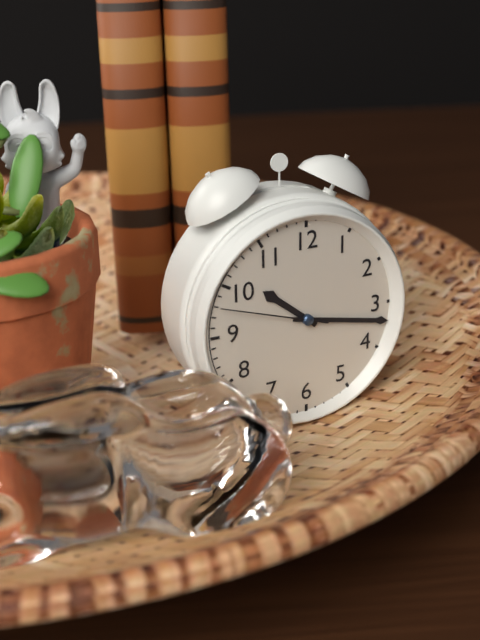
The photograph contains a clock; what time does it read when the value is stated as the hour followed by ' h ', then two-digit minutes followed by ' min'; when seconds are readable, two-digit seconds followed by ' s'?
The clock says 10 h 17 min 48 s
